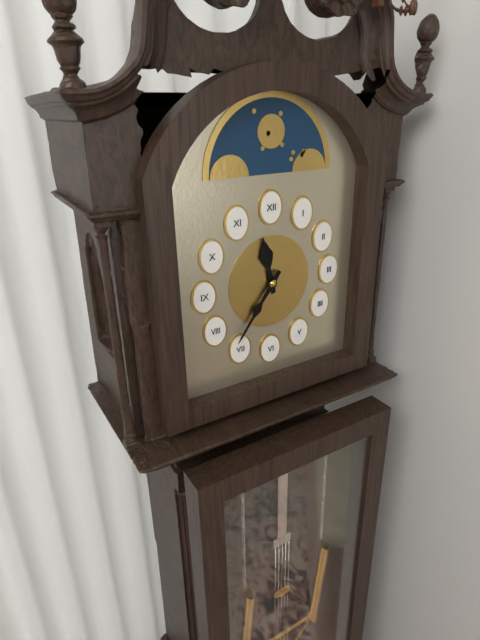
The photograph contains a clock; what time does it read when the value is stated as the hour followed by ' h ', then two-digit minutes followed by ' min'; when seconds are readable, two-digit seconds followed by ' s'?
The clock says 11 h 36 min
